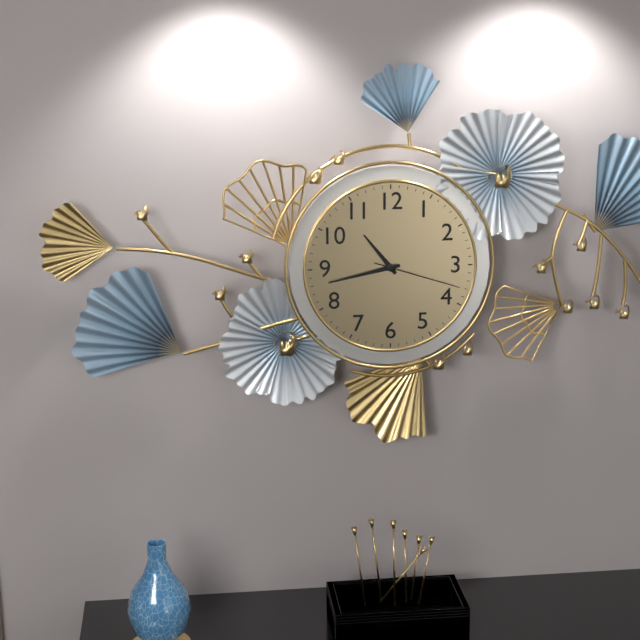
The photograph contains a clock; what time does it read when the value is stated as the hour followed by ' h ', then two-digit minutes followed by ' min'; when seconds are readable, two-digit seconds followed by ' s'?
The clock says 10 h 43 min 18 s
